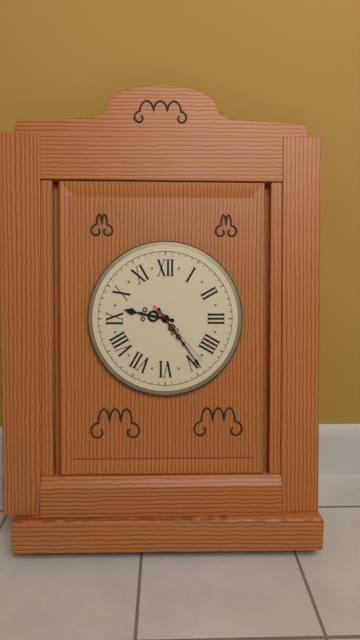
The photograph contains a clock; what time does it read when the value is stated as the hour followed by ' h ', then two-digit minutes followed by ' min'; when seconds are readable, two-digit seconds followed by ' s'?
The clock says 9 h 24 min 23 s
